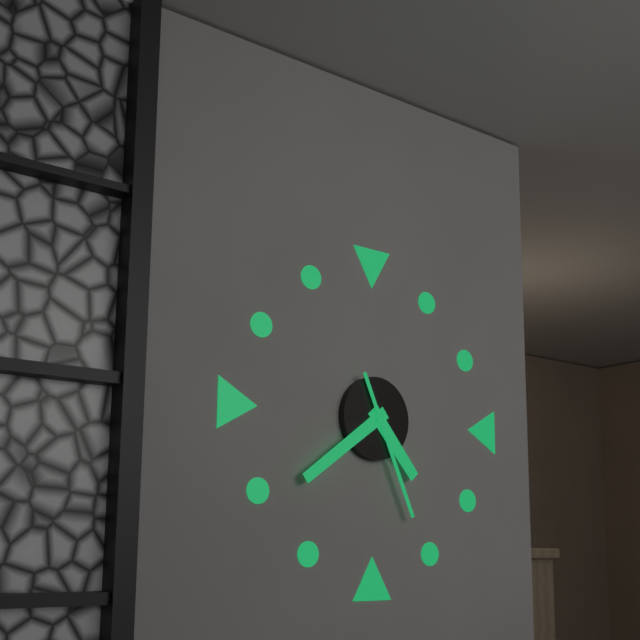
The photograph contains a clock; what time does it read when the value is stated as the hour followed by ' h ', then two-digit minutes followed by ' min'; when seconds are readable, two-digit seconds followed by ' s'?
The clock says 4 h 39 min 26 s
